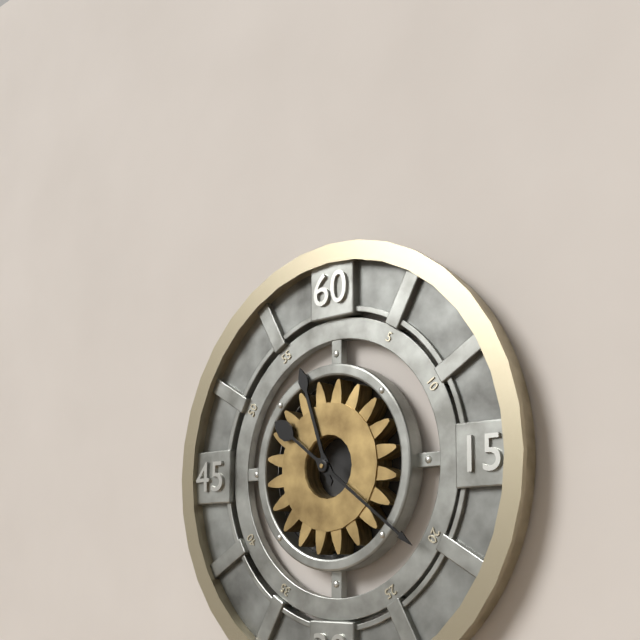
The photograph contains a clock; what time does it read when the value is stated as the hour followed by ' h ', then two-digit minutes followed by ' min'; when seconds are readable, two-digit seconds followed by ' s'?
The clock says 11 h 21 min
